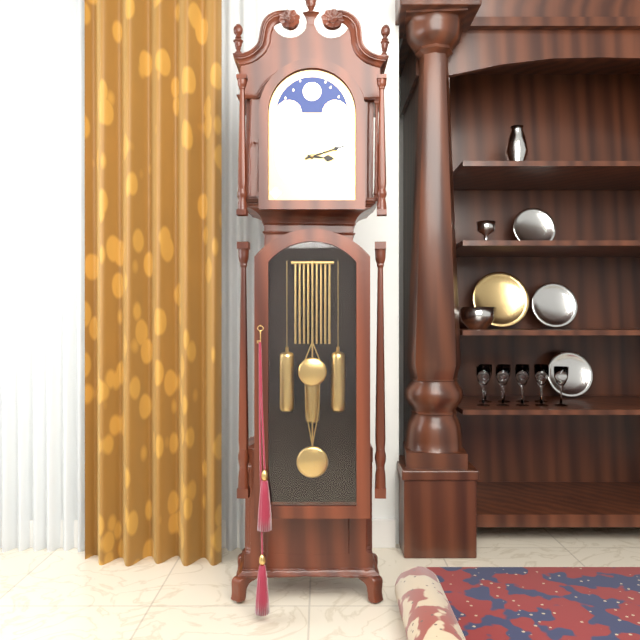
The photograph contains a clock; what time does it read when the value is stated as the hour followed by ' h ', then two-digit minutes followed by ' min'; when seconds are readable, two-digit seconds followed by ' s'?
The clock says 3 h 12 min
